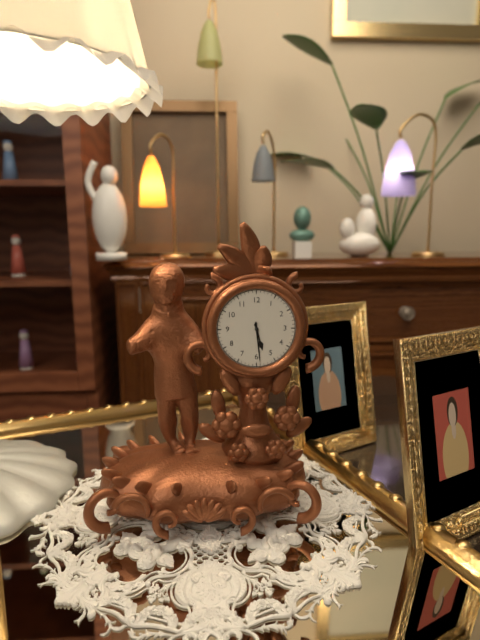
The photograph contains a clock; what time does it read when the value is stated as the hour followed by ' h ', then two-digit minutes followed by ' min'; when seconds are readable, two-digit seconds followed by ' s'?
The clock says 5 h 29 min
